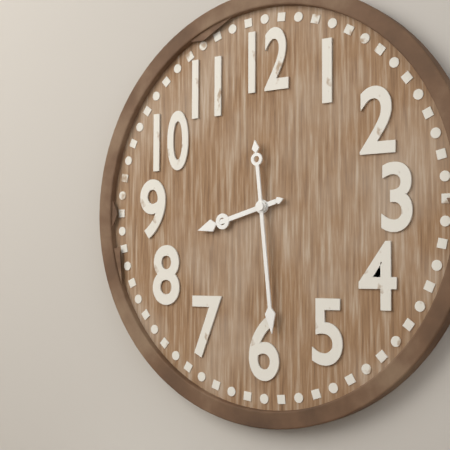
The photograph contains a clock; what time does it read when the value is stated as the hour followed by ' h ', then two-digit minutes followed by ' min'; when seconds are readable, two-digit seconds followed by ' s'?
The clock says 8 h 29 min
